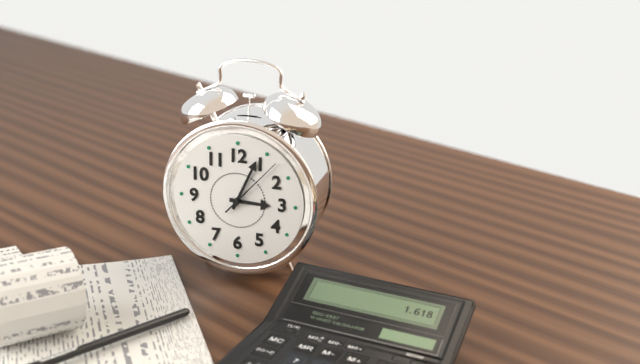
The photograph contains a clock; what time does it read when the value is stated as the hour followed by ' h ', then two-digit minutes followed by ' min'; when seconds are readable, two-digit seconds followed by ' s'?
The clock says 3 h 04 min 07 s
